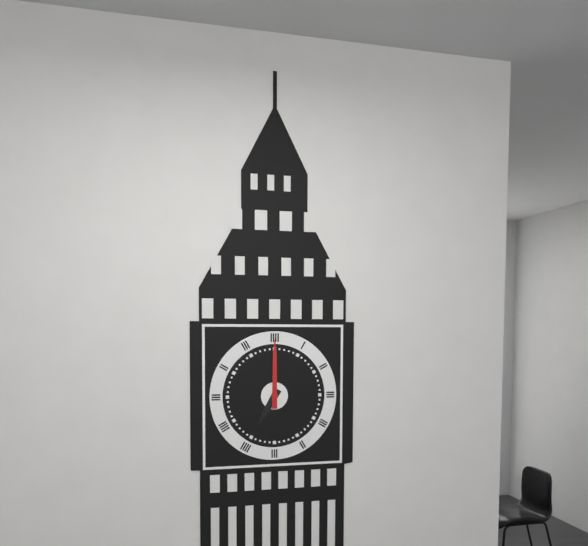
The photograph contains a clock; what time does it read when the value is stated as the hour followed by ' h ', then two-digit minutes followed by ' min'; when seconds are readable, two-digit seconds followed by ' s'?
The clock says 7 h 00 min
